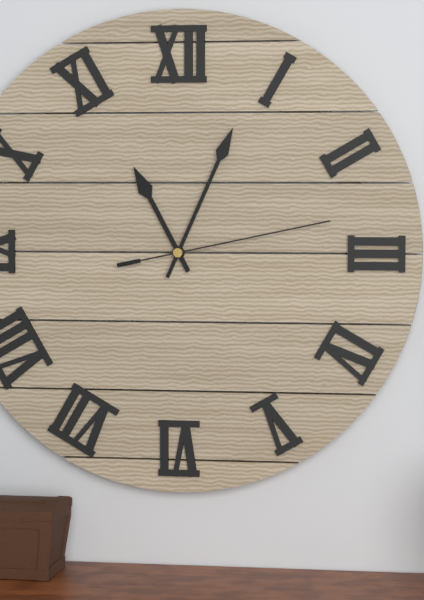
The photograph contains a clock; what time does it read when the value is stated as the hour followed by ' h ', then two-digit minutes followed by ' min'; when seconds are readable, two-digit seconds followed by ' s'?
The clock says 11 h 04 min 13 s
